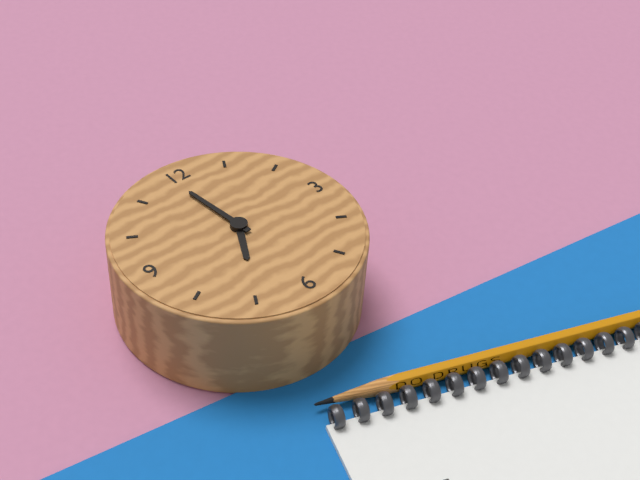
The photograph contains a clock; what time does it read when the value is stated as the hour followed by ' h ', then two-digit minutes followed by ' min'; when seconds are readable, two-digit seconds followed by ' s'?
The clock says 6 h 59 min
